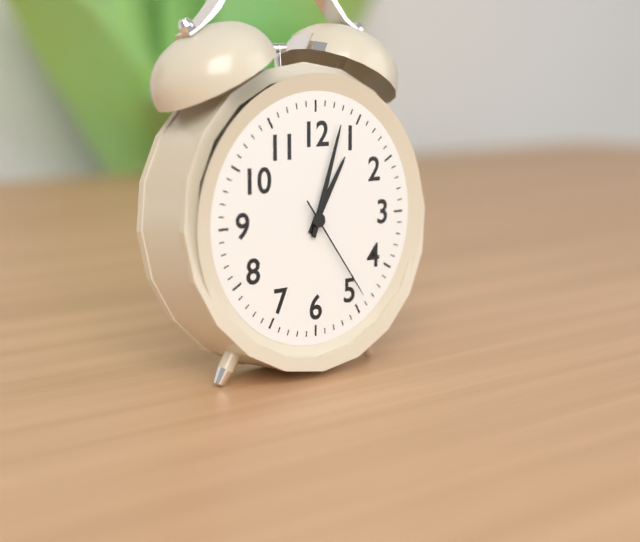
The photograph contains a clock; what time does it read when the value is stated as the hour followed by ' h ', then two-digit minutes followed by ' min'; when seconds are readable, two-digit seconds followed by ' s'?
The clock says 1 h 03 min 24 s
